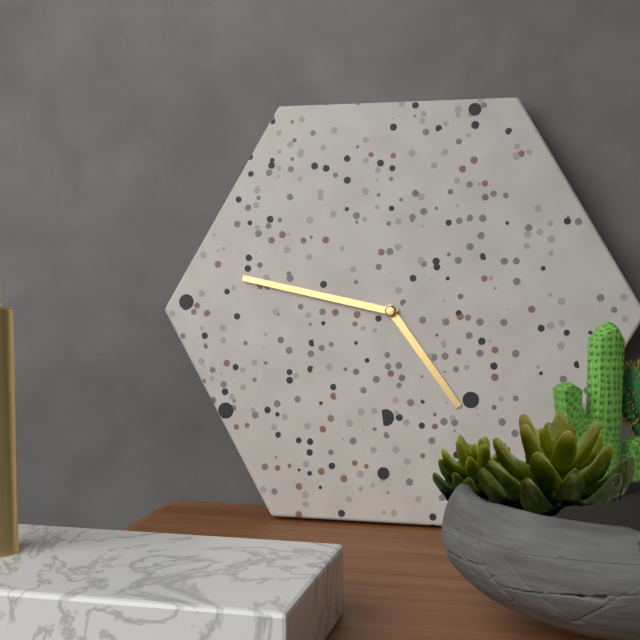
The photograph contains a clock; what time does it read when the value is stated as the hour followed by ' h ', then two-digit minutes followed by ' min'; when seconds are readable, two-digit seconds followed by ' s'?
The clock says 4 h 47 min
